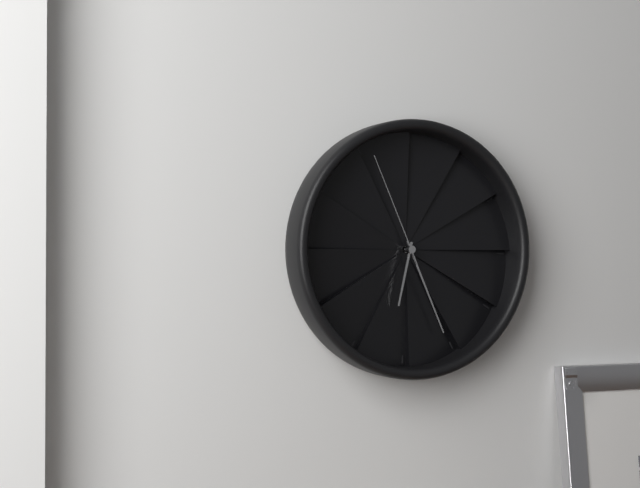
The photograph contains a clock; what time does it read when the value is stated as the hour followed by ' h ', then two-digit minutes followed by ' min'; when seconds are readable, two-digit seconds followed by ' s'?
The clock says 6 h 26 min 56 s
